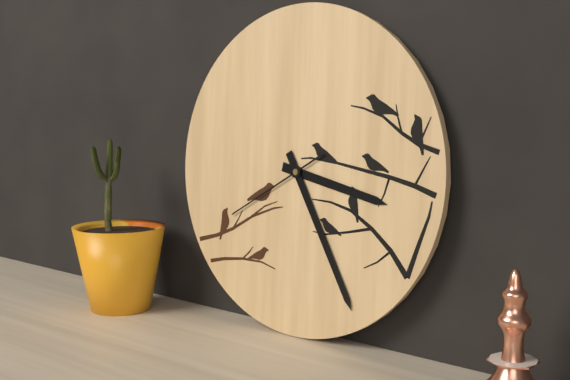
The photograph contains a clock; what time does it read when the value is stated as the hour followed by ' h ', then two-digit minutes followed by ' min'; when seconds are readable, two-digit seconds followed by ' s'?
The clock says 3 h 25 min 40 s
